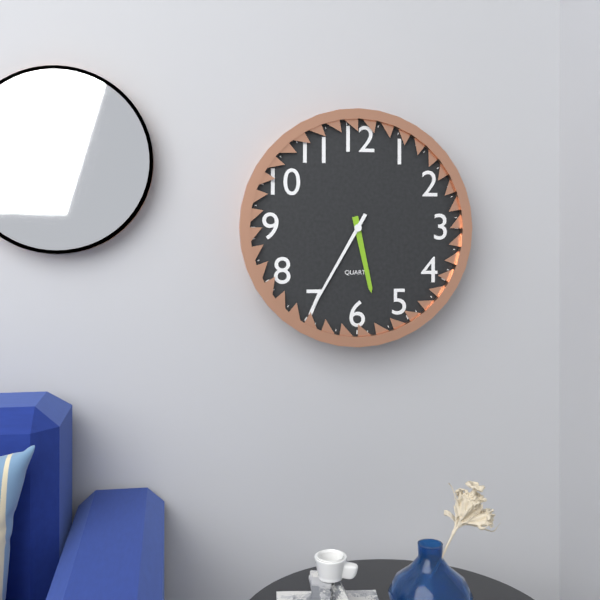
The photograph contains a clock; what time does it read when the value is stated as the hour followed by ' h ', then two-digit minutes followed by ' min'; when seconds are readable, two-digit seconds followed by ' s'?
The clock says 5 h 35 min
